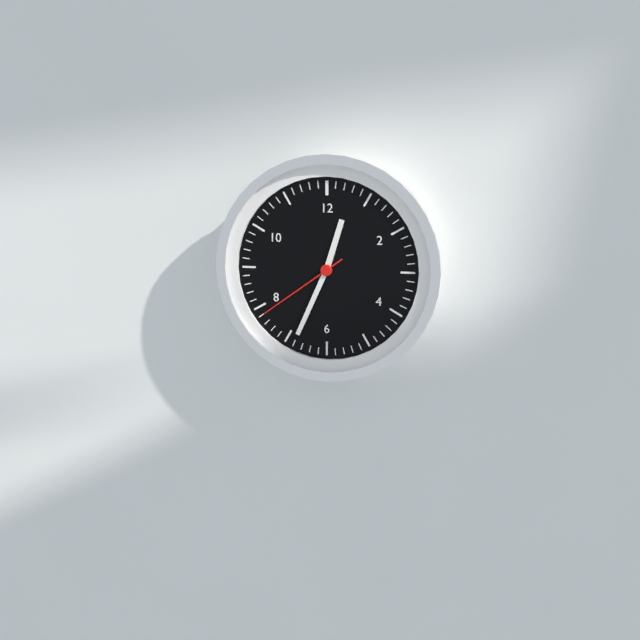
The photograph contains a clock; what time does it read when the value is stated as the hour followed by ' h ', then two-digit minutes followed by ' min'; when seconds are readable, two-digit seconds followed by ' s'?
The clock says 12 h 34 min 39 s
